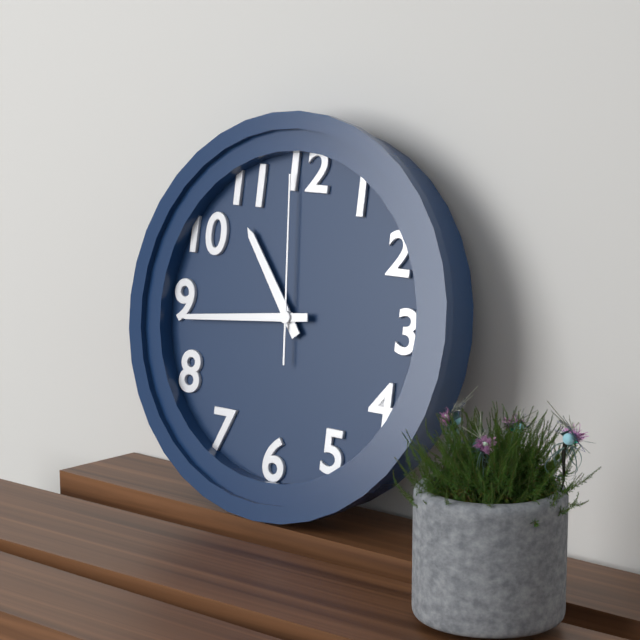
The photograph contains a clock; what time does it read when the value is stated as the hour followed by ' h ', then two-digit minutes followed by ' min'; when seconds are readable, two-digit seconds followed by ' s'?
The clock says 10 h 44 min 59 s
